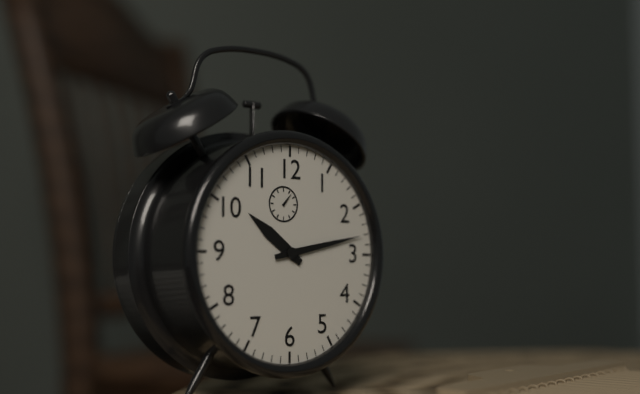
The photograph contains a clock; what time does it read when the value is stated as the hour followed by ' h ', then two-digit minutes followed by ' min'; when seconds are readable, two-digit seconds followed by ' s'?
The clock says 10 h 13 min
